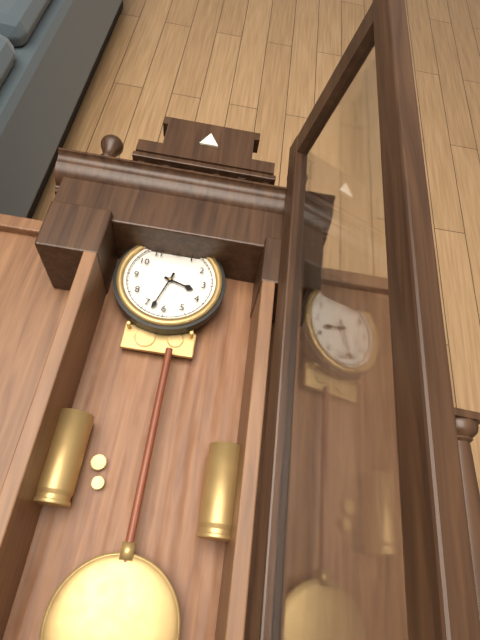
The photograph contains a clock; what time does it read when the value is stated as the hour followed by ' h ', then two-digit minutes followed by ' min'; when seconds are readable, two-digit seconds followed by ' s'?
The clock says 3 h 33 min
